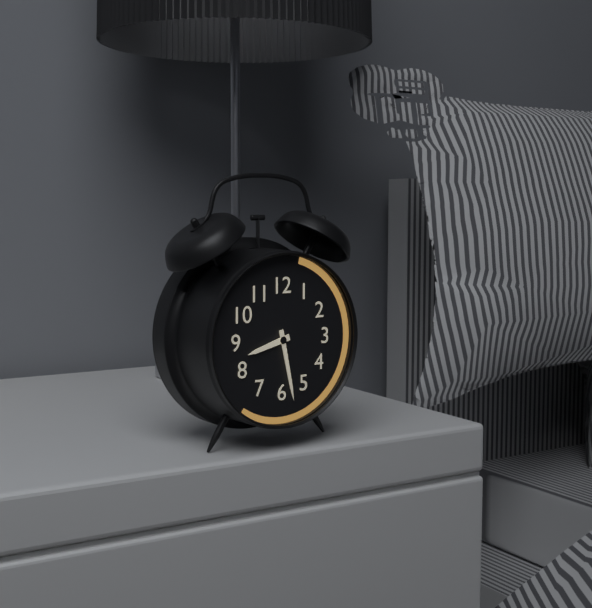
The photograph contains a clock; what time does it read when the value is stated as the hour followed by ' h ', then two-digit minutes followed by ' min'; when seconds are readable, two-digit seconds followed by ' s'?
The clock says 8 h 28 min
